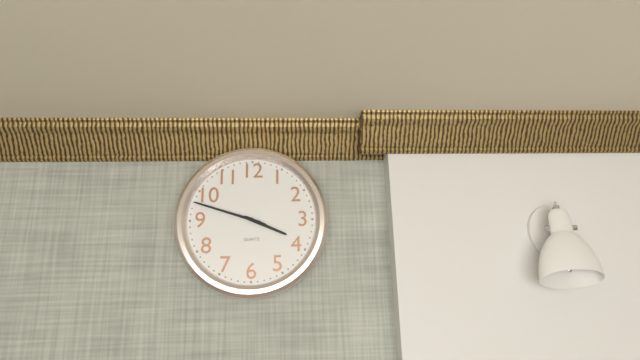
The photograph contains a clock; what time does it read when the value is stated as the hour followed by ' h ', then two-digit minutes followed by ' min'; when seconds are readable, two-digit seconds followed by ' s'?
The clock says 3 h 48 min 48 s
